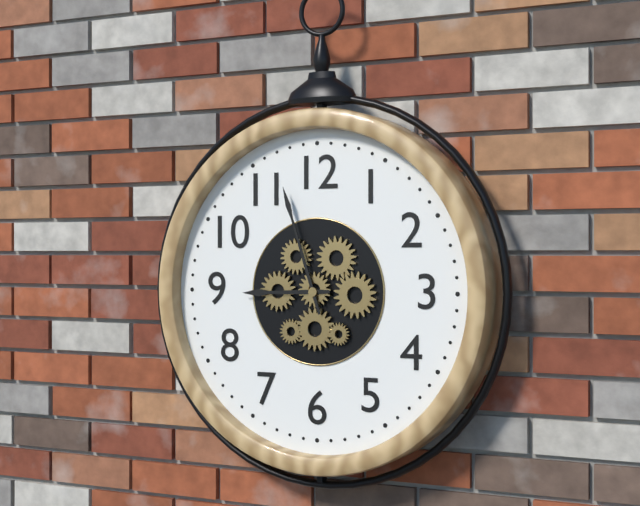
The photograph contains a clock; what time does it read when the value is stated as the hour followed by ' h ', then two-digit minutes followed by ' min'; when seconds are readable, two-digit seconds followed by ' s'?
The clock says 8 h 57 min
